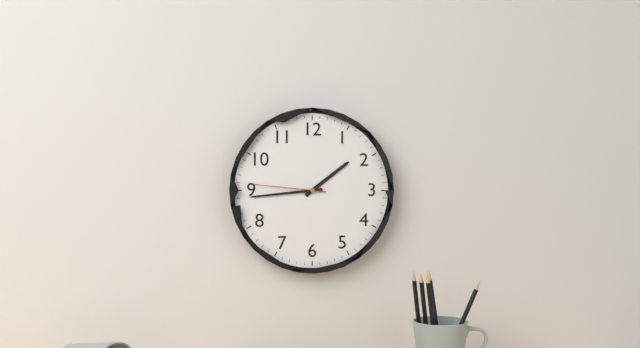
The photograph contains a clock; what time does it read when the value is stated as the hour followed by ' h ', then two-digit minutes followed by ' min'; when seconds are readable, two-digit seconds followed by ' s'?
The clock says 1 h 44 min 46 s
